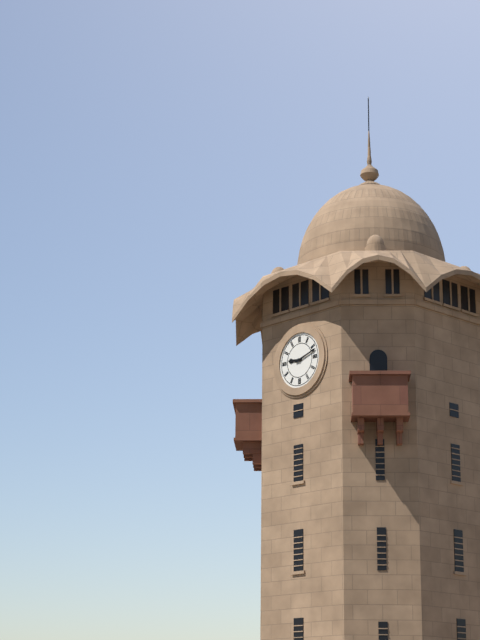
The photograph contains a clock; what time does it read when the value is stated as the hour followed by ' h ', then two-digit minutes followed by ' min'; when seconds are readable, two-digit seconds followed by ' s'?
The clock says 9 h 12 min
